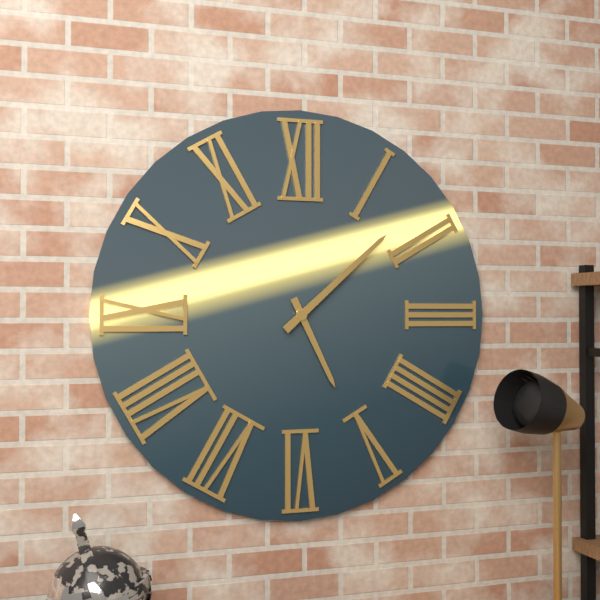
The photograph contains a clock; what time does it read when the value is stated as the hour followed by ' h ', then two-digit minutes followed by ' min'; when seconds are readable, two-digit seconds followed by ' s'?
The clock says 5 h 08 min
